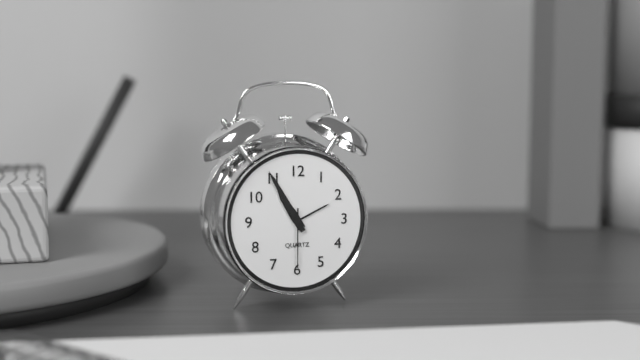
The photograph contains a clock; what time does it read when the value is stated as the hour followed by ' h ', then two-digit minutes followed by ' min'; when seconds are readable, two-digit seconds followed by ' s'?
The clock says 10 h 55 min 30 s
